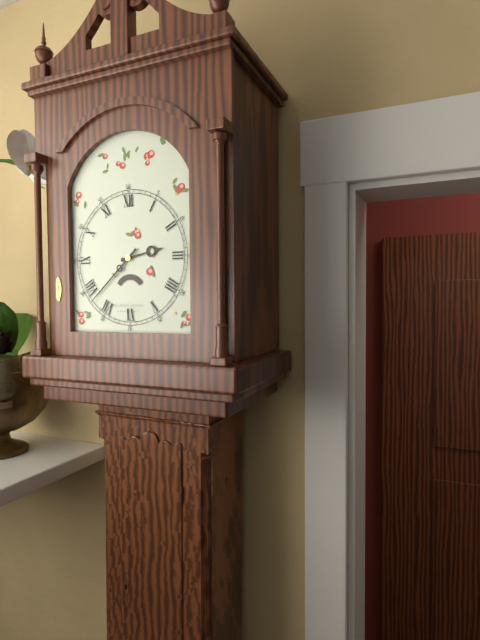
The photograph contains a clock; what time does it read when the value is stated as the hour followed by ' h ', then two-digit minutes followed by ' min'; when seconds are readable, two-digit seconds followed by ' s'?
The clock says 2 h 38 min
